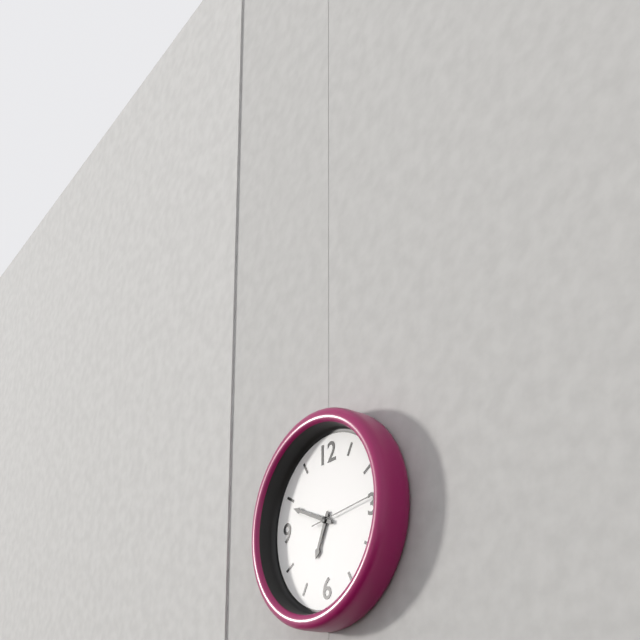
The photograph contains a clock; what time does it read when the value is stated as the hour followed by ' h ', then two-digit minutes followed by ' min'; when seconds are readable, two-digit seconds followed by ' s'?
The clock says 6 h 49 min 14 s
